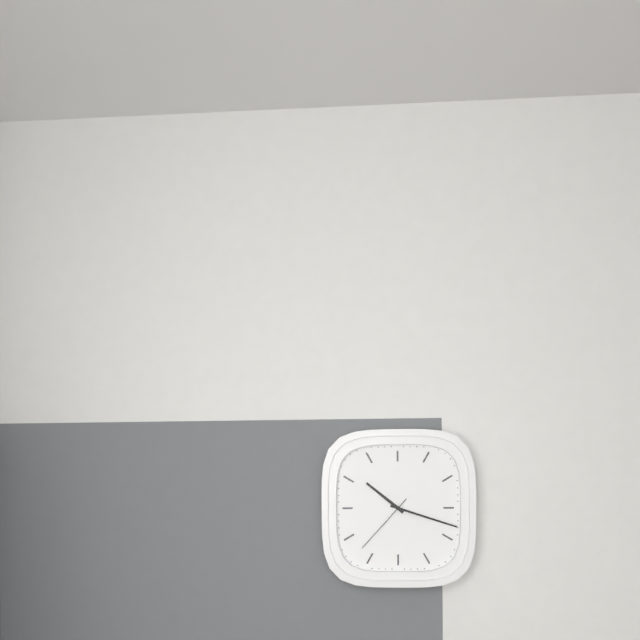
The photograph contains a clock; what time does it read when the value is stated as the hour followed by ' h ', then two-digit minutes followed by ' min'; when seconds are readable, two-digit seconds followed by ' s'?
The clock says 10 h 18 min 37 s
